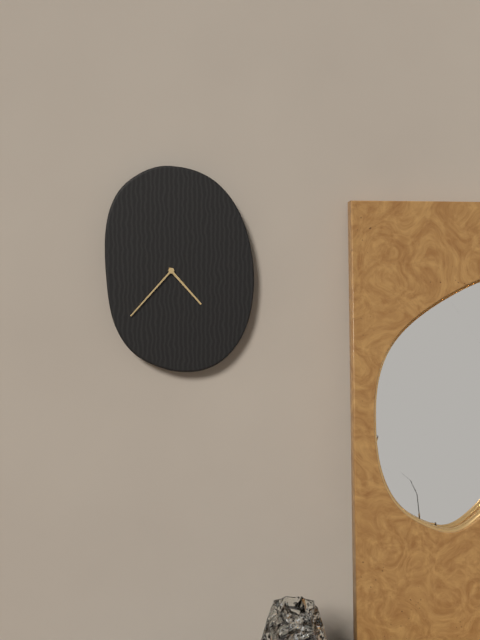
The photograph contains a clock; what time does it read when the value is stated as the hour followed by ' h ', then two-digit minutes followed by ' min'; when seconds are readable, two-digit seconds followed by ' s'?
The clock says 4 h 37 min
